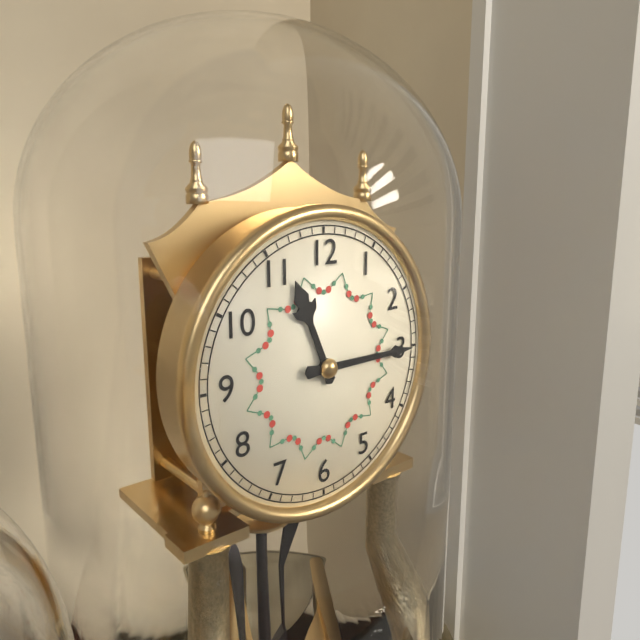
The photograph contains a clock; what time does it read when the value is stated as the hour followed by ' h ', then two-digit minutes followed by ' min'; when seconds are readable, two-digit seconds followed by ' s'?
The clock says 11 h 15 min
